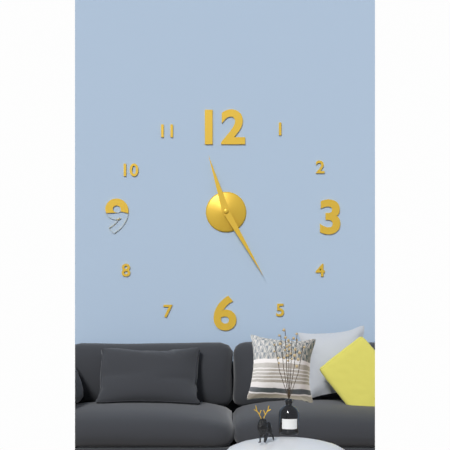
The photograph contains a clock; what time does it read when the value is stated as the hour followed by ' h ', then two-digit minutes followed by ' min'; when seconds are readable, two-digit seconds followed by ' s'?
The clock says 11 h 25 min
